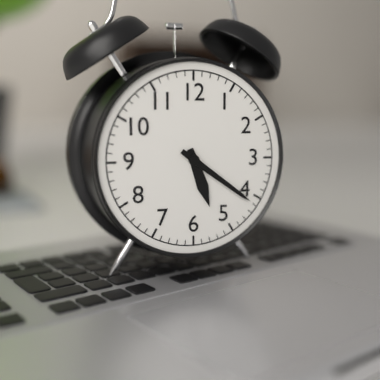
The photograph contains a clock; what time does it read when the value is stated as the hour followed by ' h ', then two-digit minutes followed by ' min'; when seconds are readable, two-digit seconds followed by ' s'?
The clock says 5 h 21 min
